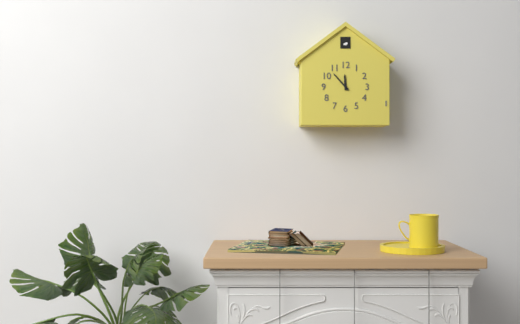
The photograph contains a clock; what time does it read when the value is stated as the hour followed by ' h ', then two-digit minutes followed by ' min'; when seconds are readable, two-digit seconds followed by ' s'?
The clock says 11 h 53 min
